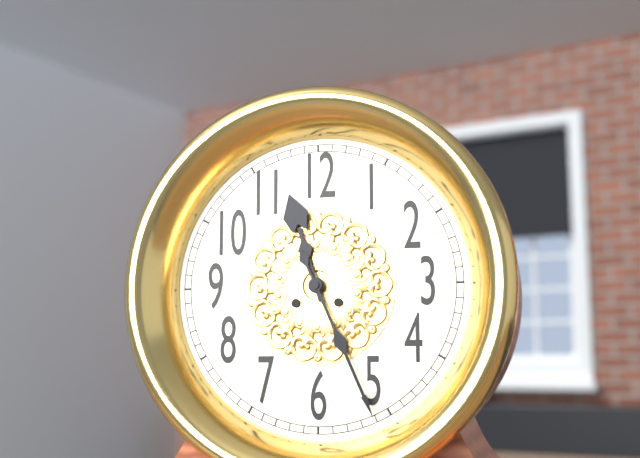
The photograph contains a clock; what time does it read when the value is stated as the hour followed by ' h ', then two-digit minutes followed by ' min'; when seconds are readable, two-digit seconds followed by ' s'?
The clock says 11 h 26 min
